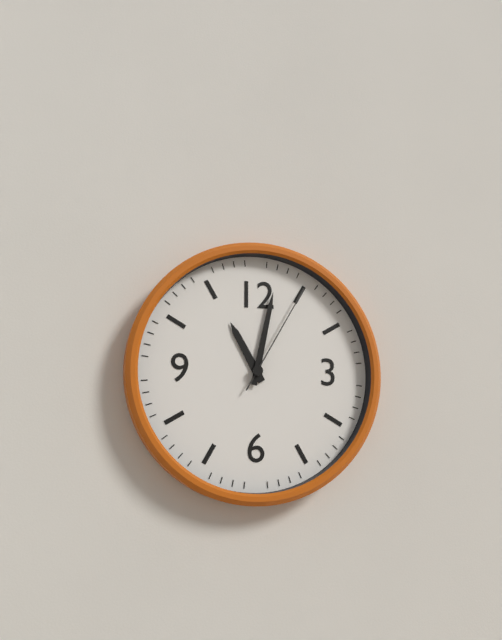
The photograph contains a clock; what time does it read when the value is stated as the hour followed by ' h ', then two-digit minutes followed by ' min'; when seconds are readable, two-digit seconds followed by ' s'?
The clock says 11 h 02 min 05 s
